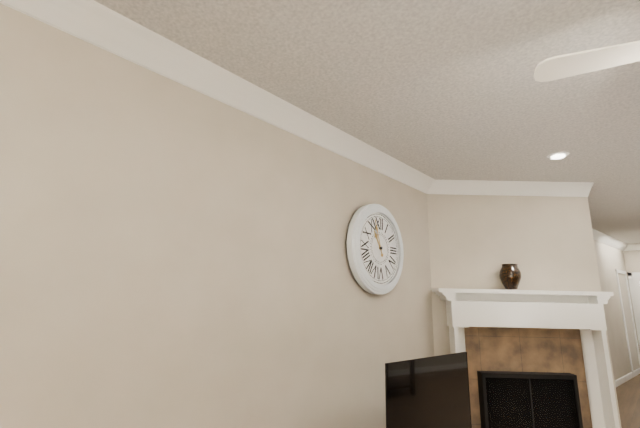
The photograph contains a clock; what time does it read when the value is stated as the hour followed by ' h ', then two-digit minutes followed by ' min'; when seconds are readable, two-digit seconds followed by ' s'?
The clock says 10 h 57 min
